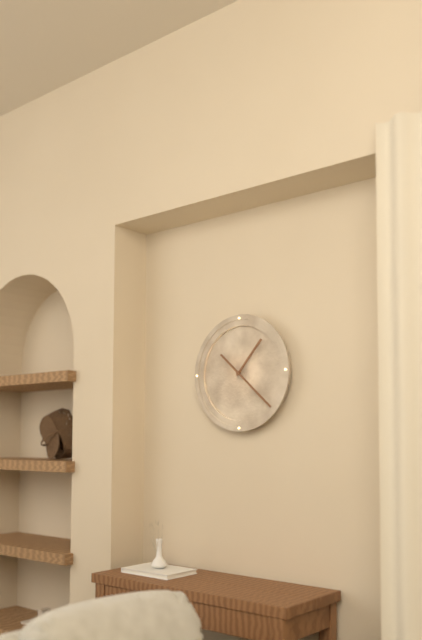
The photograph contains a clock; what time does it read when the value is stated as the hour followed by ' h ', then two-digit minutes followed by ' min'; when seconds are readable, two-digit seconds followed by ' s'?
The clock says 1 h 22 min
